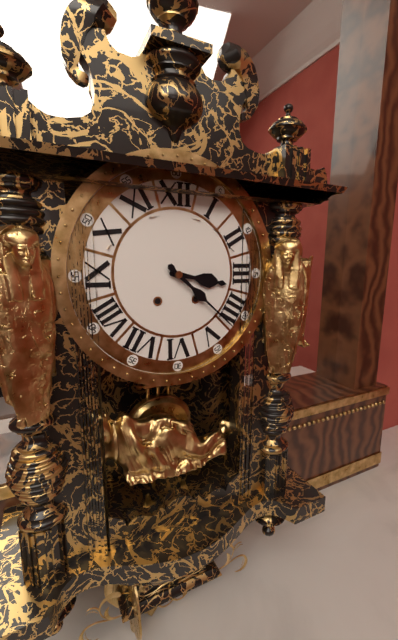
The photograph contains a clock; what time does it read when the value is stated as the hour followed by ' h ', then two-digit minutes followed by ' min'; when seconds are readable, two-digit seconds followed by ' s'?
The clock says 3 h 22 min
